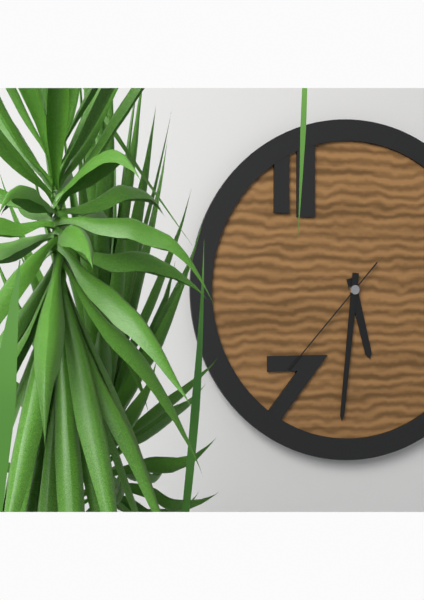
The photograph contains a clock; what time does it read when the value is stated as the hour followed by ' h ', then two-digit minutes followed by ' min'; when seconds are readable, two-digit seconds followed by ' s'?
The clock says 5 h 31 min 37 s
